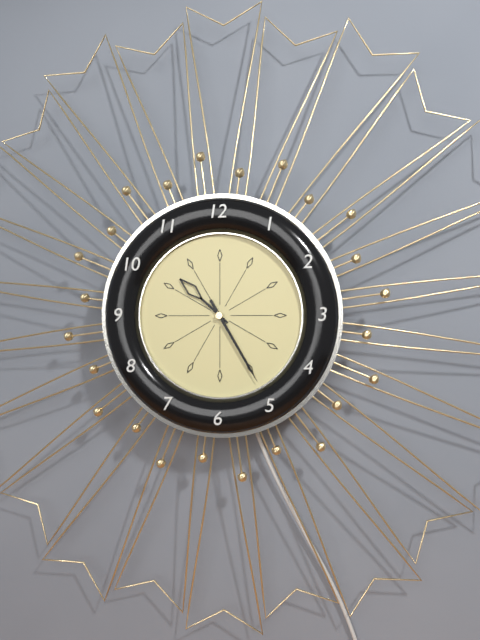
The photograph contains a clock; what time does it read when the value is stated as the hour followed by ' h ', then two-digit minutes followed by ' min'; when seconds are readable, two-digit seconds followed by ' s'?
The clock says 10 h 25 min
